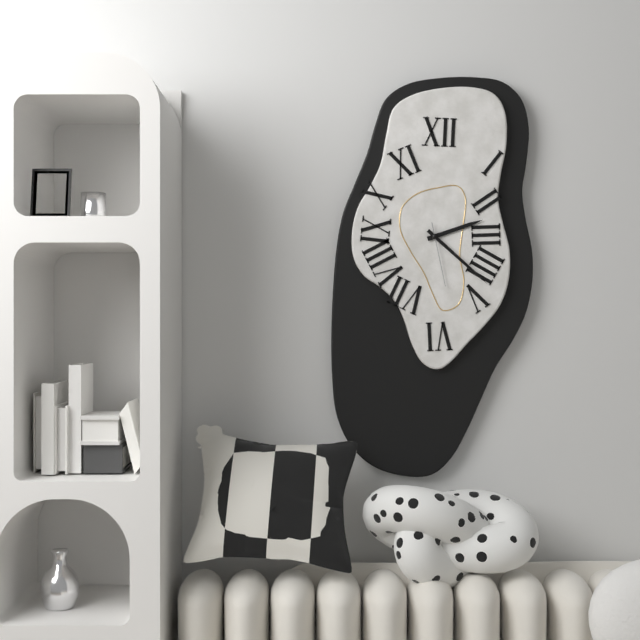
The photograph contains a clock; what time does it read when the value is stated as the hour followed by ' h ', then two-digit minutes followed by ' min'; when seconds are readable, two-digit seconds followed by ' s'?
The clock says 2 h 22 min 28 s
